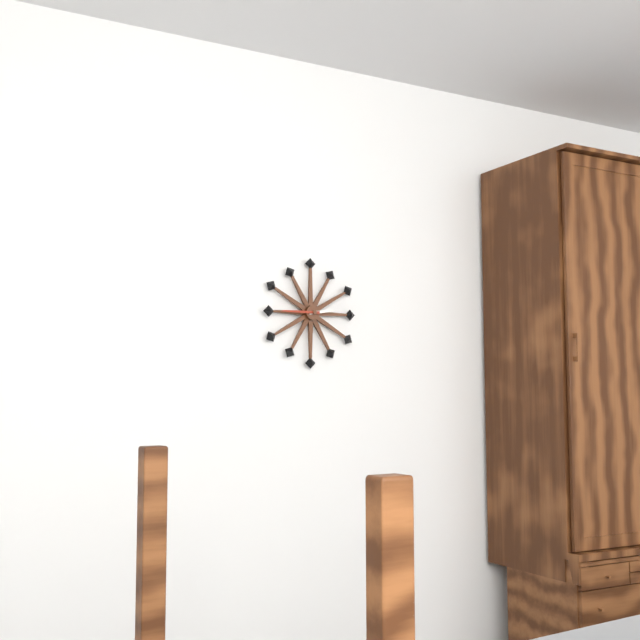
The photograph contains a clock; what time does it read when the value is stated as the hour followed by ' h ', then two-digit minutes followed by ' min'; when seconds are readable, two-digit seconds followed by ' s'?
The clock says 2 h 45 min
